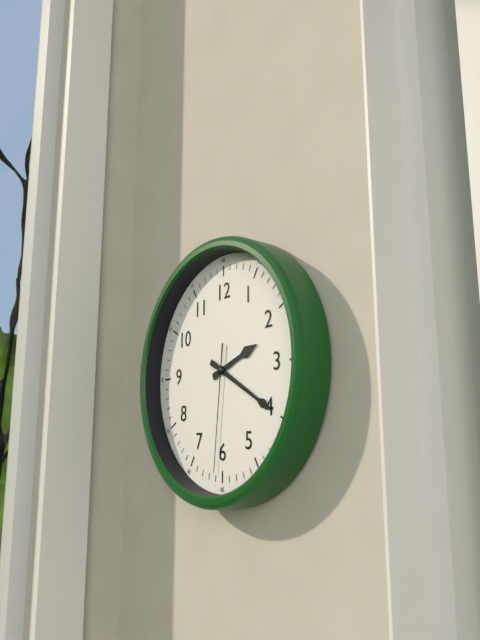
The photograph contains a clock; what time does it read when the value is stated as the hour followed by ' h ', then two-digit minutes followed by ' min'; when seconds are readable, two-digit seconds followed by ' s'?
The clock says 2 h 20 min 31 s
